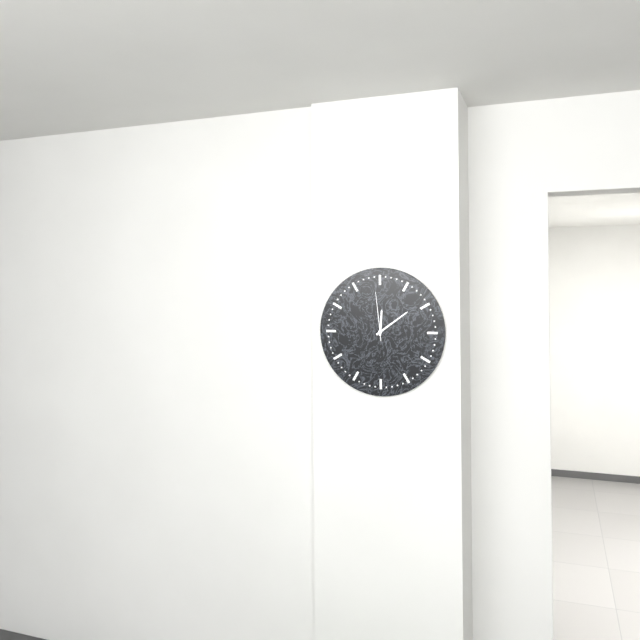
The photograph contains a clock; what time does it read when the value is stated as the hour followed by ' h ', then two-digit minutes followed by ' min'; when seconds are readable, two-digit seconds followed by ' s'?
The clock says 12 h 09 min 59 s
